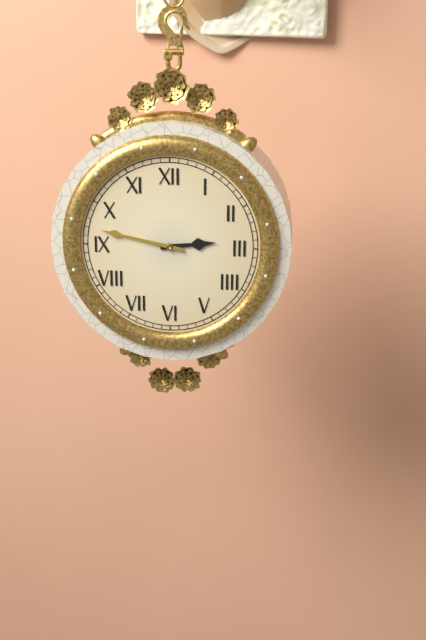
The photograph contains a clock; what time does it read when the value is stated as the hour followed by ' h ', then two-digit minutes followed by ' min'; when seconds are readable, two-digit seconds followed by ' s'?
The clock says 2 h 47 min
